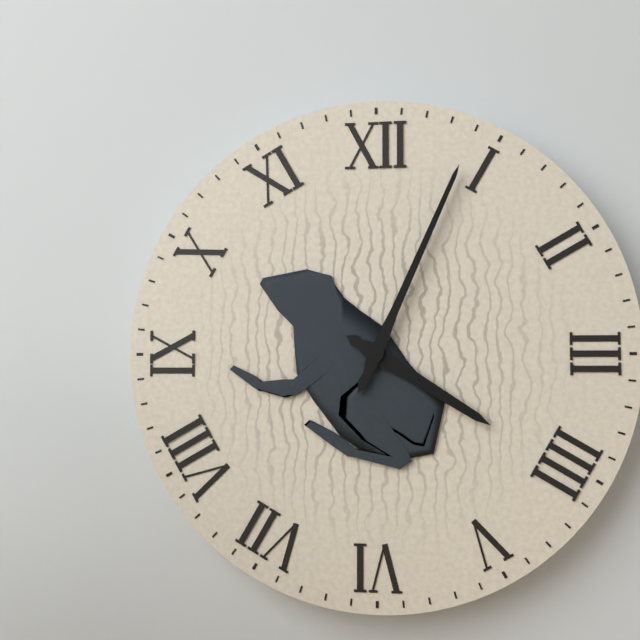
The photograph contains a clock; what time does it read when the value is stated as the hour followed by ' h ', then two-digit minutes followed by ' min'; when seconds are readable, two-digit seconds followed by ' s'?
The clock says 4 h 04 min
